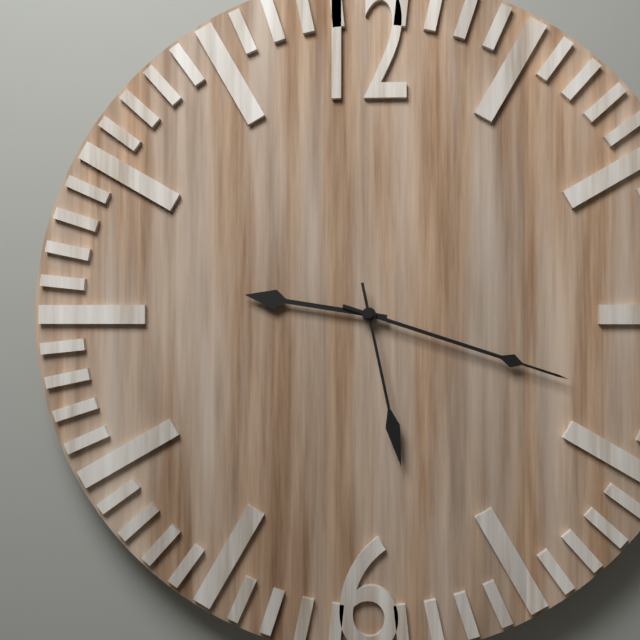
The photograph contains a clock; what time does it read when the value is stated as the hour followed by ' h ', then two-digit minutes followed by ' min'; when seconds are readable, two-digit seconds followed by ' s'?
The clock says 9 h 18 min 28 s
